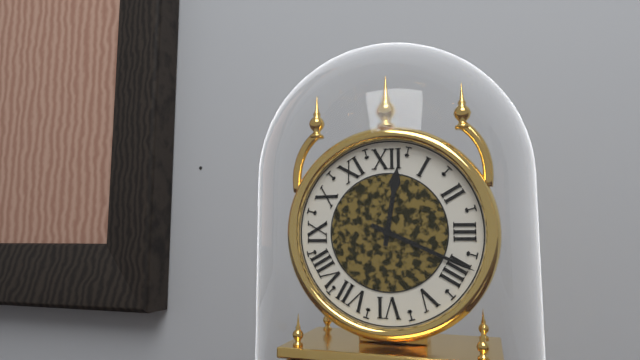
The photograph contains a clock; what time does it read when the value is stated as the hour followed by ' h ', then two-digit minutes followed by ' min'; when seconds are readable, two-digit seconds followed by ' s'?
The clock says 12 h 19 min
